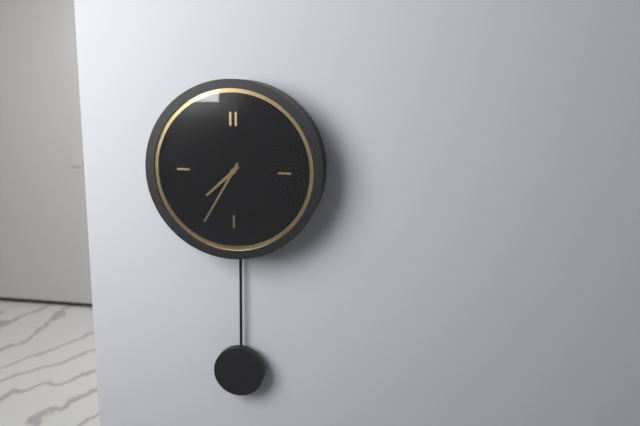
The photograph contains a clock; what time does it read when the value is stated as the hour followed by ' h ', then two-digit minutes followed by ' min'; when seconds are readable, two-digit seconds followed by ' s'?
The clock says 7 h 35 min
